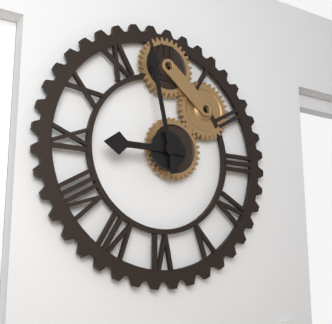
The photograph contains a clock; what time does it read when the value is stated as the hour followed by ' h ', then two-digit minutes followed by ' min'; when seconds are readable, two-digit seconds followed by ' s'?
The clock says 8 h 58 min
